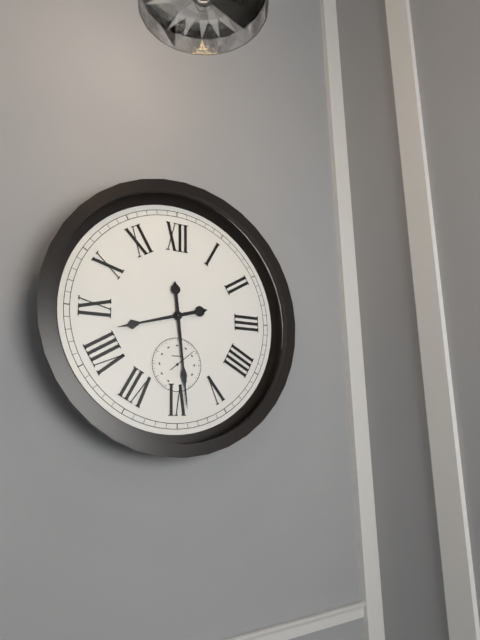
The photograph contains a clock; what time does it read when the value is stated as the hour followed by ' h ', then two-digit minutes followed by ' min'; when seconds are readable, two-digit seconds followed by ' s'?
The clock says 8 h 29 min
